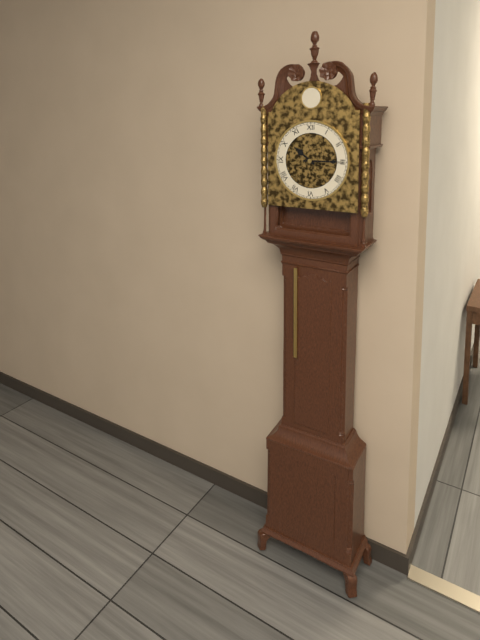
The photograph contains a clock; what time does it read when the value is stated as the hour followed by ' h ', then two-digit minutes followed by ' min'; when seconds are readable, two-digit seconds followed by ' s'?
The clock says 10 h 15 min
